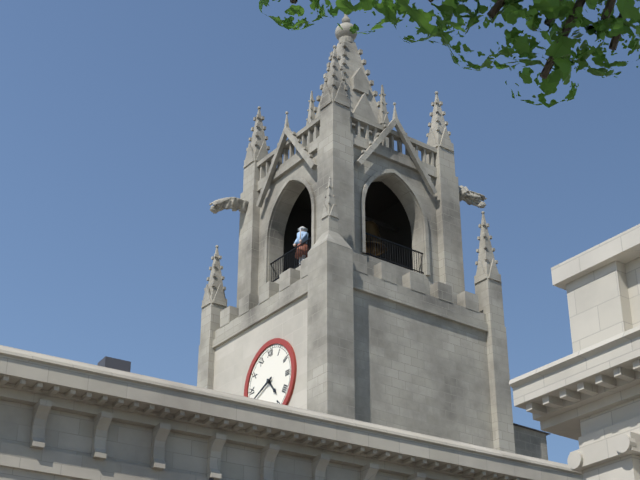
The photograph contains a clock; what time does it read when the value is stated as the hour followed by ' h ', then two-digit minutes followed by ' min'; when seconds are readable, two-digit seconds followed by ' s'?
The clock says 4 h 41 min
